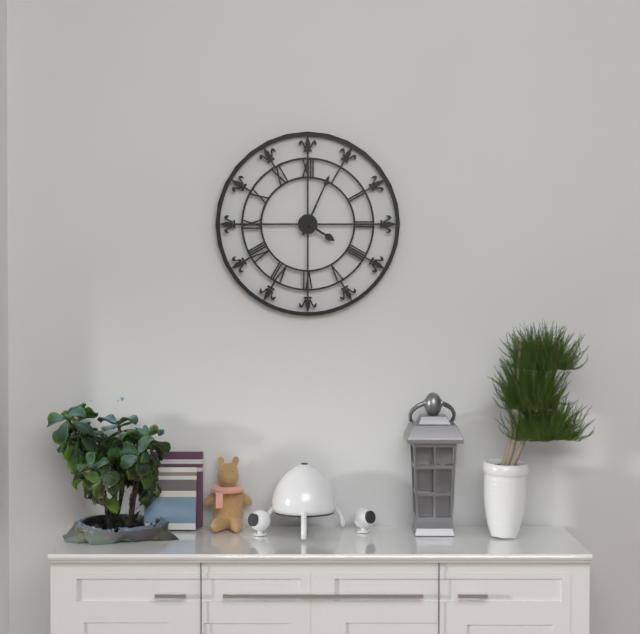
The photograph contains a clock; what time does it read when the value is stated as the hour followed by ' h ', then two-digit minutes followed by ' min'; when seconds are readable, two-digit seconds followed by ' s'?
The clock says 4 h 04 min
